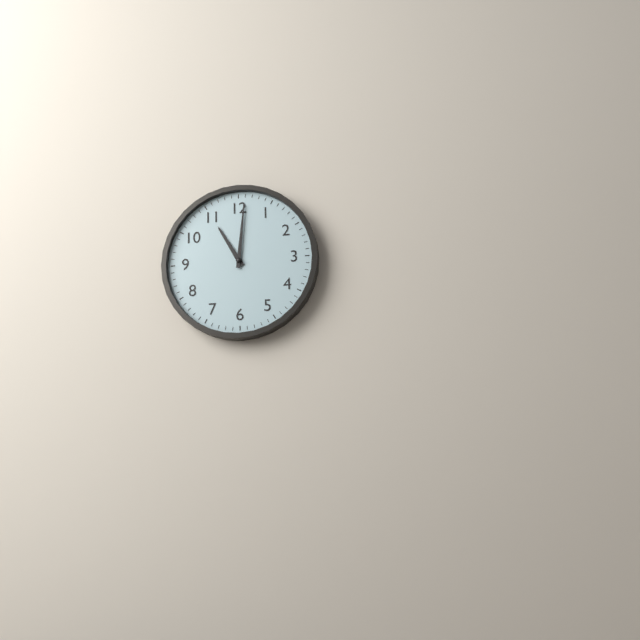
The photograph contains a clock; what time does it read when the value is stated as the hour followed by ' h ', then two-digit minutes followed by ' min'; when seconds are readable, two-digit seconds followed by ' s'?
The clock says 11 h 01 min
